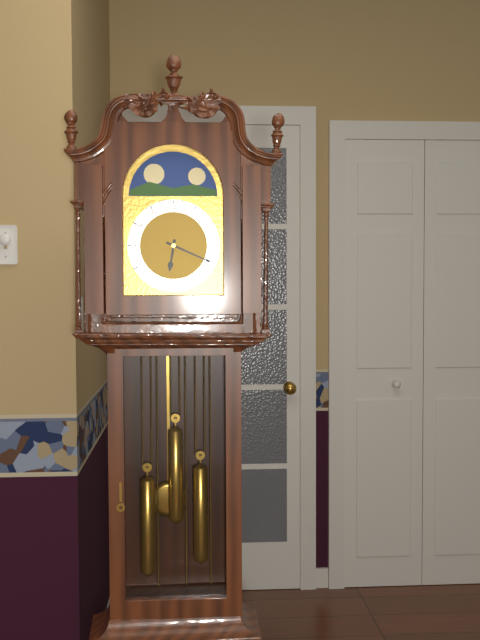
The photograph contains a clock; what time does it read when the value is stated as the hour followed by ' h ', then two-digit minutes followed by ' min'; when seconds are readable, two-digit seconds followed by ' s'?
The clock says 6 h 19 min
